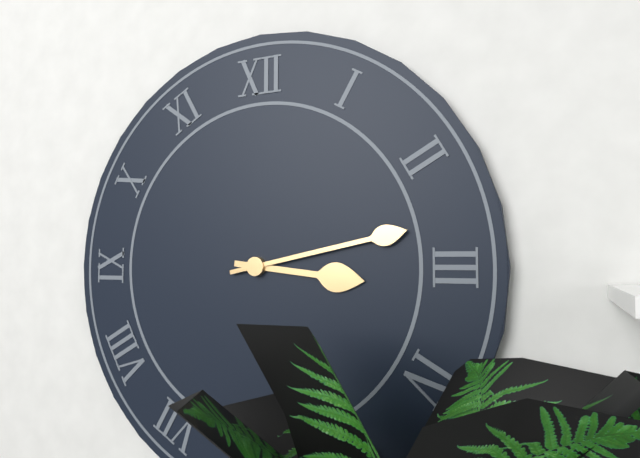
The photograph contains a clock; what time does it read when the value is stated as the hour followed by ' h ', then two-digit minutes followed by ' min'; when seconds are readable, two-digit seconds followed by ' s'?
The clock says 3 h 13 min
